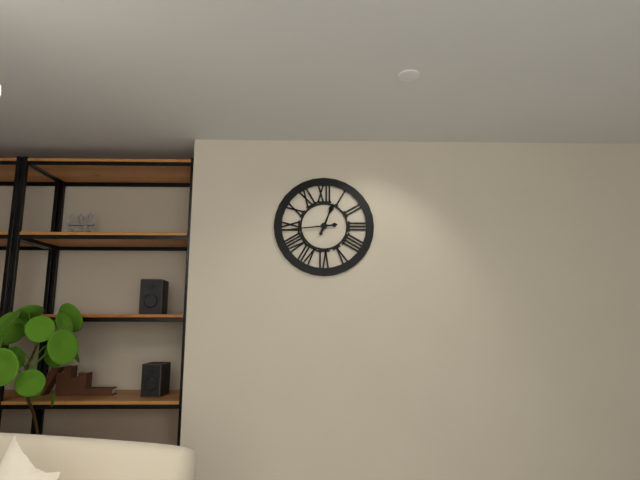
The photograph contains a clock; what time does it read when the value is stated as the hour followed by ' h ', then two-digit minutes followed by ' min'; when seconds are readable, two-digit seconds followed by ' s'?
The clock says 12 h 44 min
